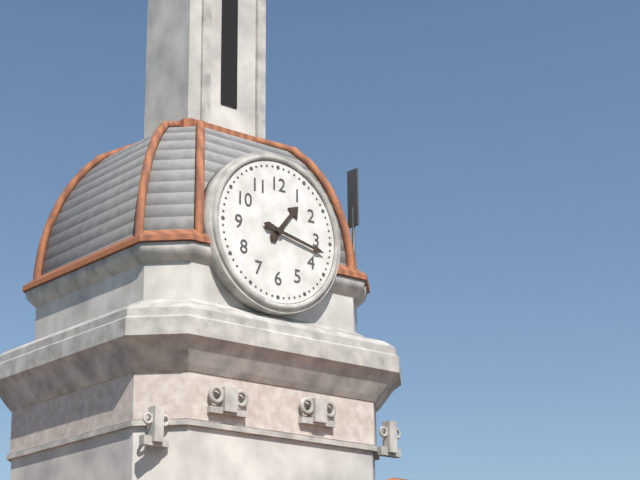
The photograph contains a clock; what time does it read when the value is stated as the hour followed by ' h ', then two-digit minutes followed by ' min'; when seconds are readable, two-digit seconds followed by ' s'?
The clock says 1 h 17 min
